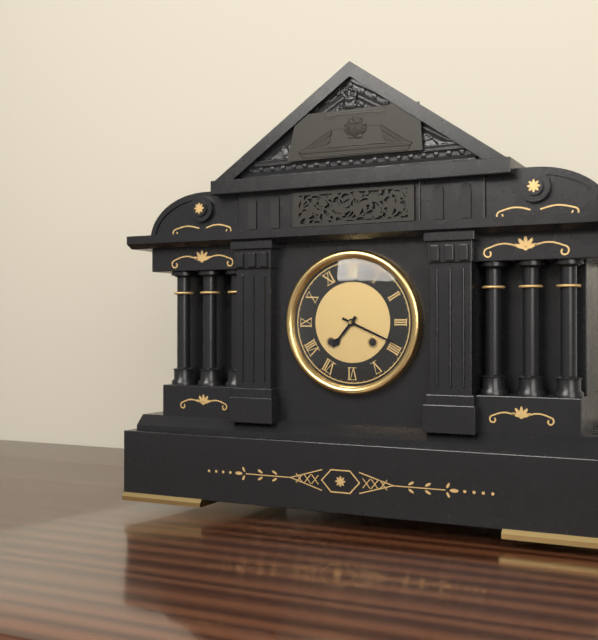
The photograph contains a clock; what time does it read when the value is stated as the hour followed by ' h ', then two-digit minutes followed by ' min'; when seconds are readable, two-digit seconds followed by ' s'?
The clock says 7 h 19 min
